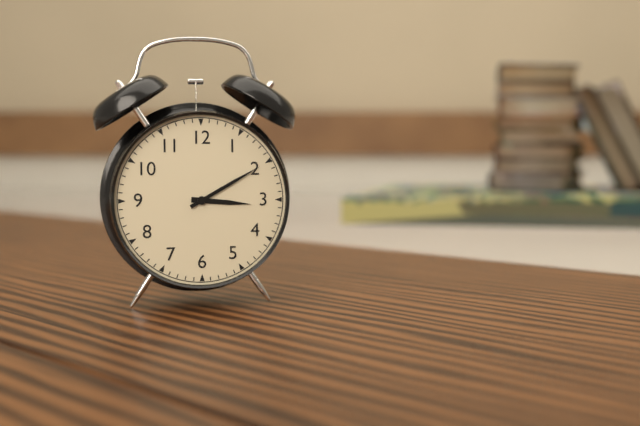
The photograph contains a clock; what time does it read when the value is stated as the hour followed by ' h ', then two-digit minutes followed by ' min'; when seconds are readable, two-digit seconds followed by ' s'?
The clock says 3 h 10 min
